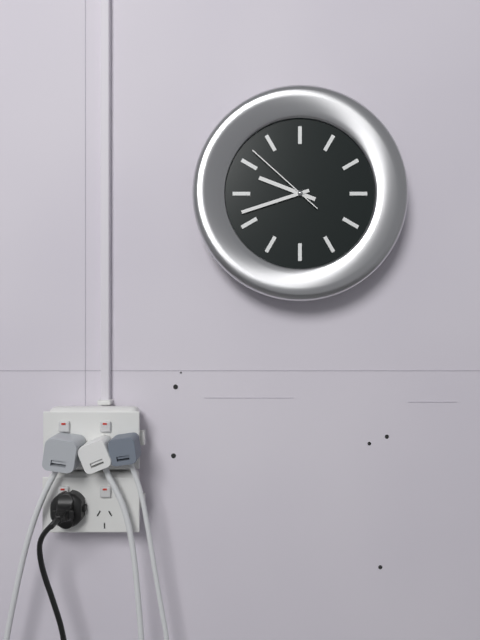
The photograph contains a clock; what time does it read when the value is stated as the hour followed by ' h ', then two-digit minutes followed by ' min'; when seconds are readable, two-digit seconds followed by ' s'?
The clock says 9 h 42 min 52 s
